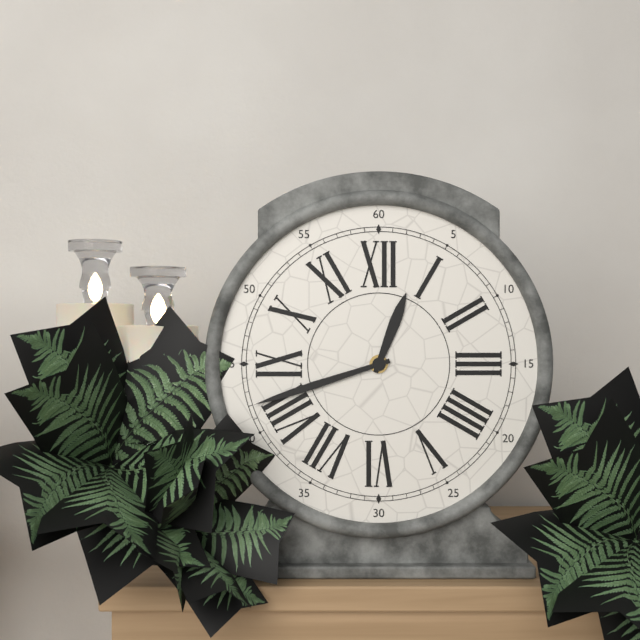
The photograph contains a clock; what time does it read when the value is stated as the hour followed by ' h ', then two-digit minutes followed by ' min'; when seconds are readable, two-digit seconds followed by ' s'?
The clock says 12 h 42 min
